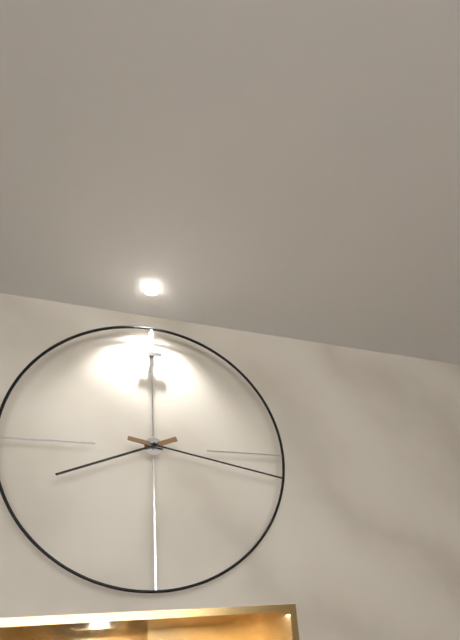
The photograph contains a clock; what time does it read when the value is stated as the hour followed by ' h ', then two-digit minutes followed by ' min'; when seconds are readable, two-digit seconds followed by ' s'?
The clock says 8 h 17 min
